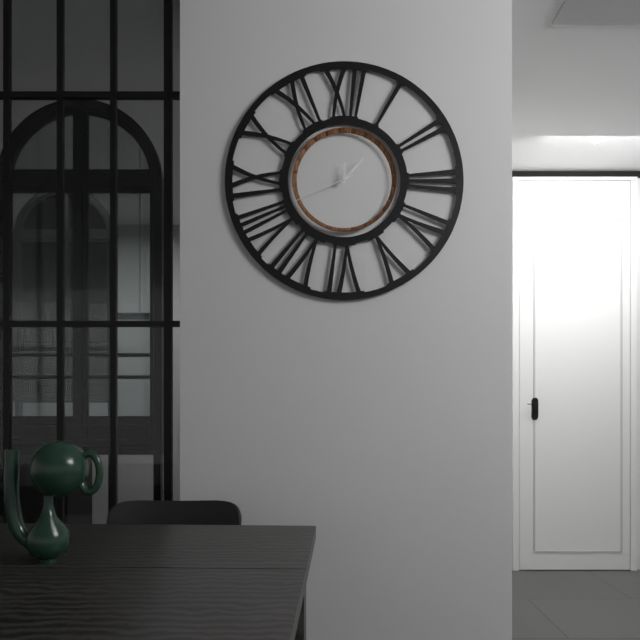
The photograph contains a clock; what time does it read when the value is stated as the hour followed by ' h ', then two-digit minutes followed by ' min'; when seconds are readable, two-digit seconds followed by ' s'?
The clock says 12 h 07 min 41 s
